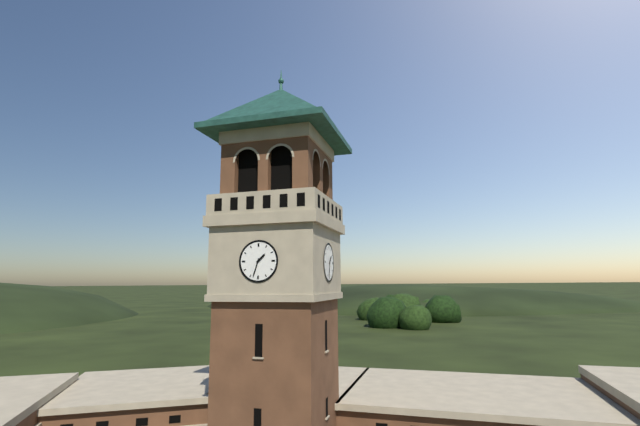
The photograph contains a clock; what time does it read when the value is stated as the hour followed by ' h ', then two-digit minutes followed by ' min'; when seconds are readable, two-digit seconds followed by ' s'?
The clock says 1 h 33 min
